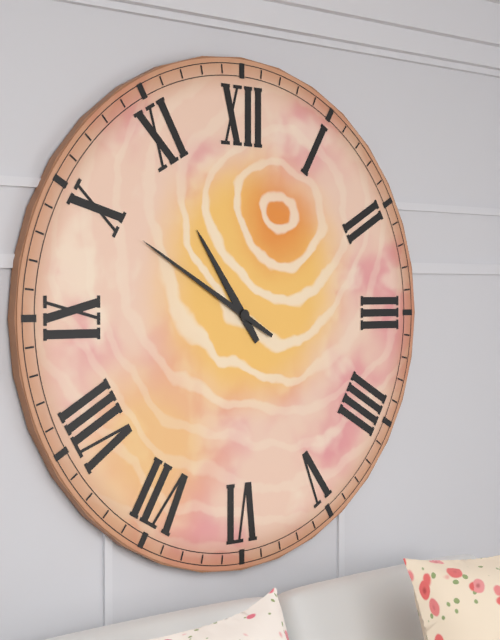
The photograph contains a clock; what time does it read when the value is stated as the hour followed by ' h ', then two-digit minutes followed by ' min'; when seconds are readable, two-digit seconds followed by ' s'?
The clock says 10 h 50 min
